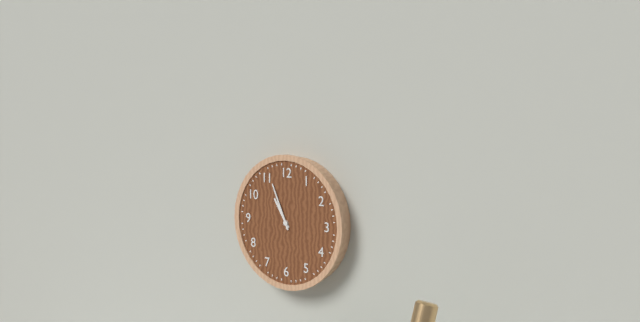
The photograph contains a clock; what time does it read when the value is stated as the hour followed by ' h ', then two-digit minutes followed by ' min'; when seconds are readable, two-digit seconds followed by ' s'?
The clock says 10 h 56 min
